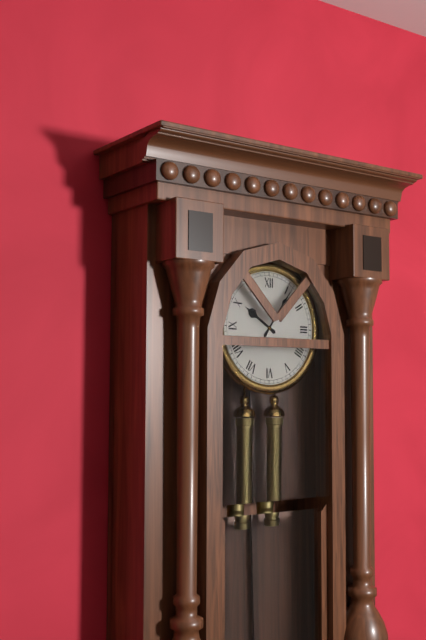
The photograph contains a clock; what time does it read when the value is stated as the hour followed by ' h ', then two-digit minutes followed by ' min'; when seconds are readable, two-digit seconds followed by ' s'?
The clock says 10 h 06 min
